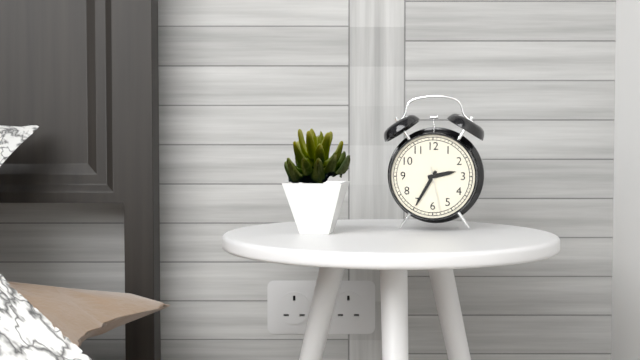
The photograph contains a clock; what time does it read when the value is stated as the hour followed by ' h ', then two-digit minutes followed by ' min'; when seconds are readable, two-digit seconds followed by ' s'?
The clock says 2 h 35 min
